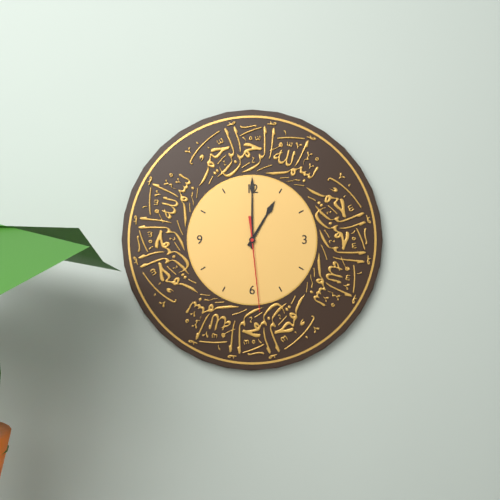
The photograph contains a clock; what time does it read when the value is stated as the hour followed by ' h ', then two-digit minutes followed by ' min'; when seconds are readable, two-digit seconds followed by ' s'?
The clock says 1 h 00 min 29 s
